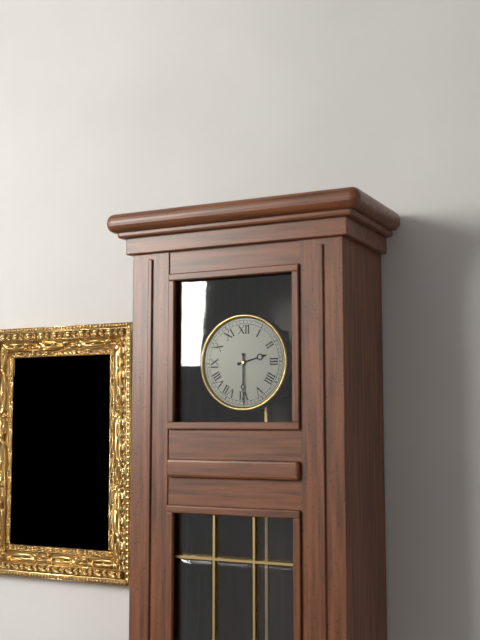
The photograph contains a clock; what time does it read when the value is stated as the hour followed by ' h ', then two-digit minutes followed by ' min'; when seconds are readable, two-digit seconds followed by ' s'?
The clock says 2 h 30 min
